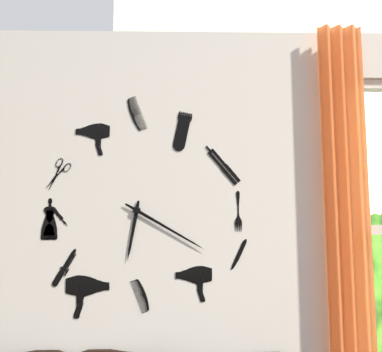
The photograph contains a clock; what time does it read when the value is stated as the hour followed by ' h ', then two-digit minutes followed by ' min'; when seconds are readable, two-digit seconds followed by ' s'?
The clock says 6 h 20 min
